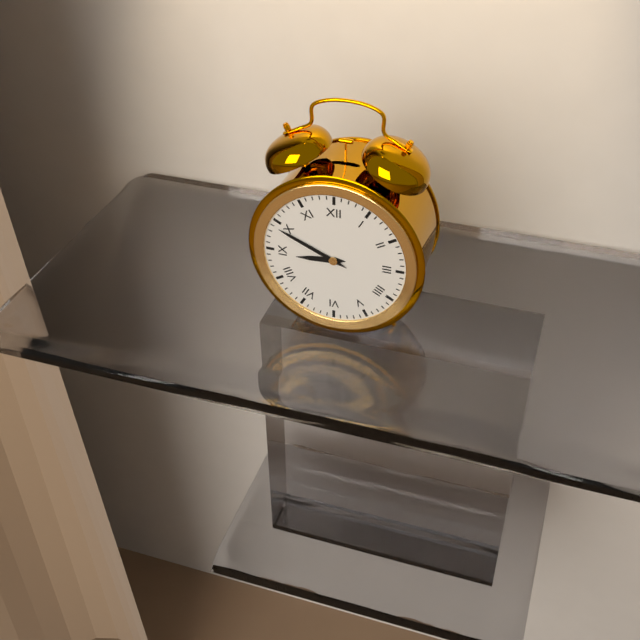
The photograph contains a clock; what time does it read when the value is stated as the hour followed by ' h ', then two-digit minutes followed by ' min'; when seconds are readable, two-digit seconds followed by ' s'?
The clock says 8 h 49 min
